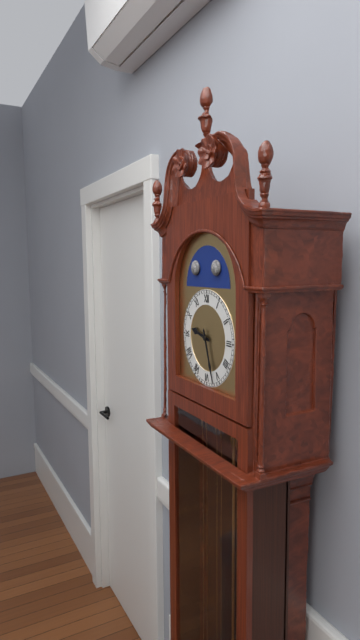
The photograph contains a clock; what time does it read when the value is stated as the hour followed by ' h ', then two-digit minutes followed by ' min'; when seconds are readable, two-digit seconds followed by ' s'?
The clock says 9 h 27 min
